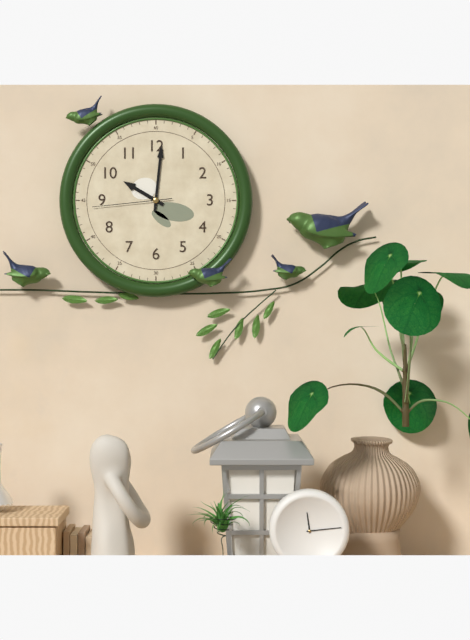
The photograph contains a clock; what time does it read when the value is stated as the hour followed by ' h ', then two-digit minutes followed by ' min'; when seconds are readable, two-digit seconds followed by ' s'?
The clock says 10 h 01 min 44 s
